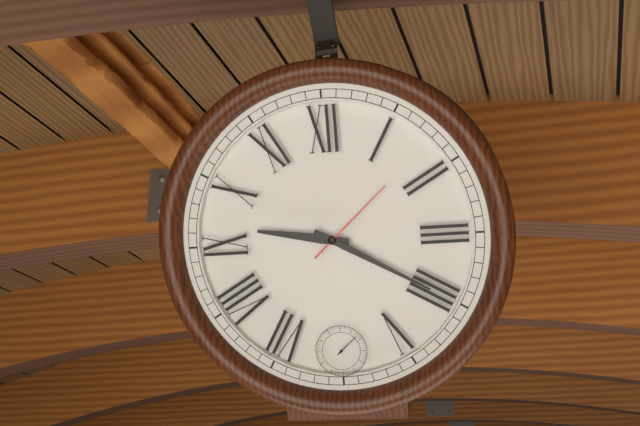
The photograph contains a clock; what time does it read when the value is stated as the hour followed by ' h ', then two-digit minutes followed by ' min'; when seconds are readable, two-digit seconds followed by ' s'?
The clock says 9 h 20 min 08 s
